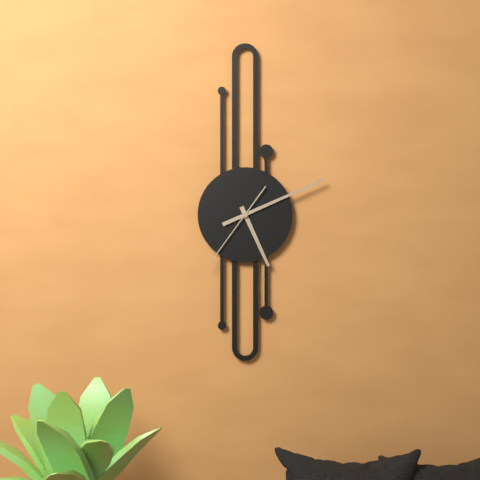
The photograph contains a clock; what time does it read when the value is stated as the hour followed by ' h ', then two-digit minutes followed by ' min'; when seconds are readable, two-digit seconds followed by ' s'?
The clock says 5 h 11 min 36 s
